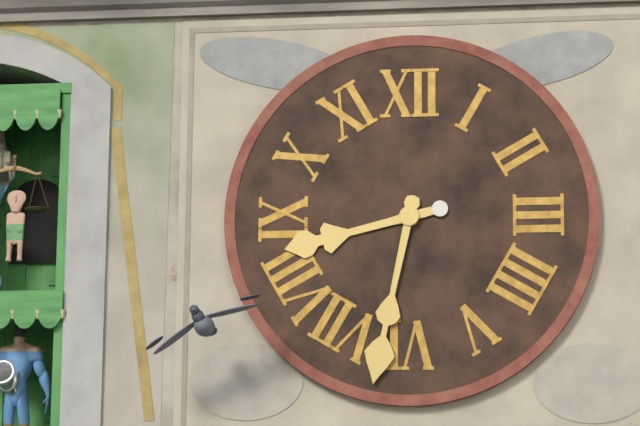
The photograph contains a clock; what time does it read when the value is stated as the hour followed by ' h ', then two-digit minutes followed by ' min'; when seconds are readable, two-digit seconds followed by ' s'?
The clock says 8 h 32 min
